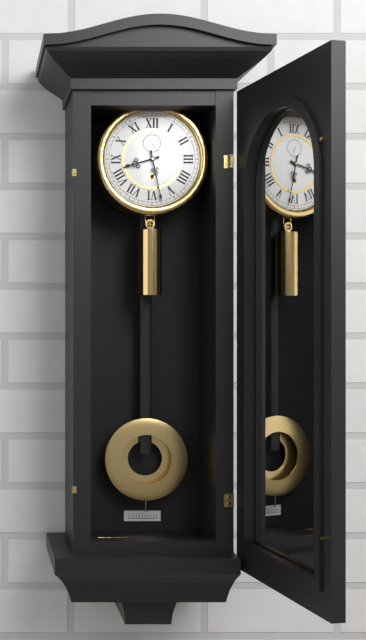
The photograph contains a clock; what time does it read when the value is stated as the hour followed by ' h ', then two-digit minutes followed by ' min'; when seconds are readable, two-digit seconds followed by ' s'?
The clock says 8 h 28 min
